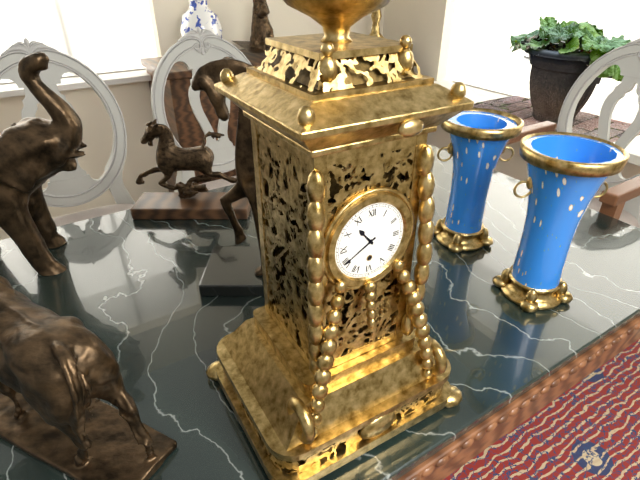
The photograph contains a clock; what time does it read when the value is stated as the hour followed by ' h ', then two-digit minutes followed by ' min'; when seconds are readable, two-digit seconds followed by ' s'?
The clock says 10 h 40 min
